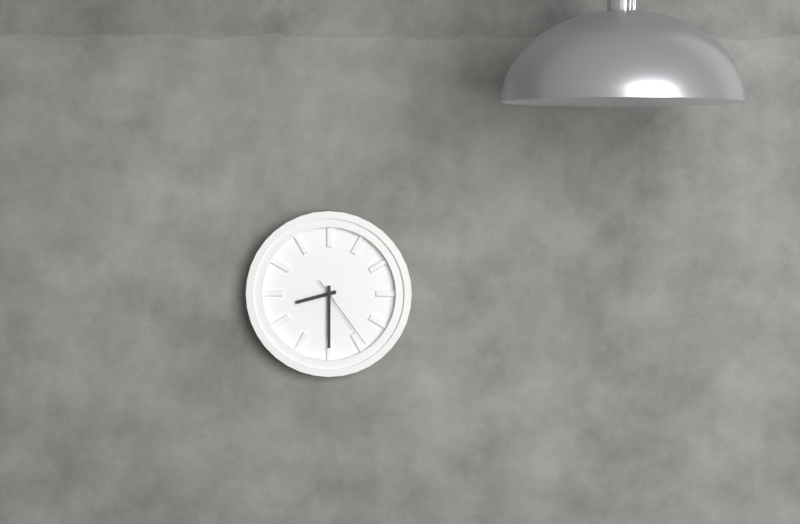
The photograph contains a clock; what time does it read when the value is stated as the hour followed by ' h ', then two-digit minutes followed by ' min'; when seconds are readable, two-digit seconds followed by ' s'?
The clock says 8 h 30 min 24 s
